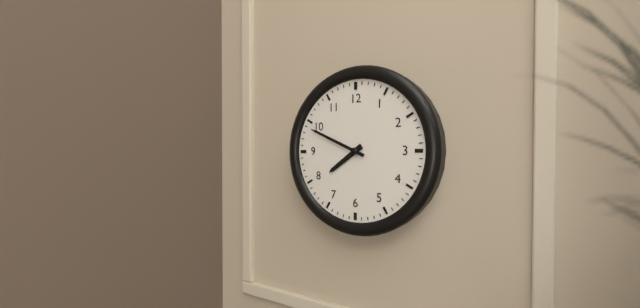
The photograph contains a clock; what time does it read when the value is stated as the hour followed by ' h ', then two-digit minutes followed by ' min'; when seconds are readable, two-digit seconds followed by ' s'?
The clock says 7 h 49 min
